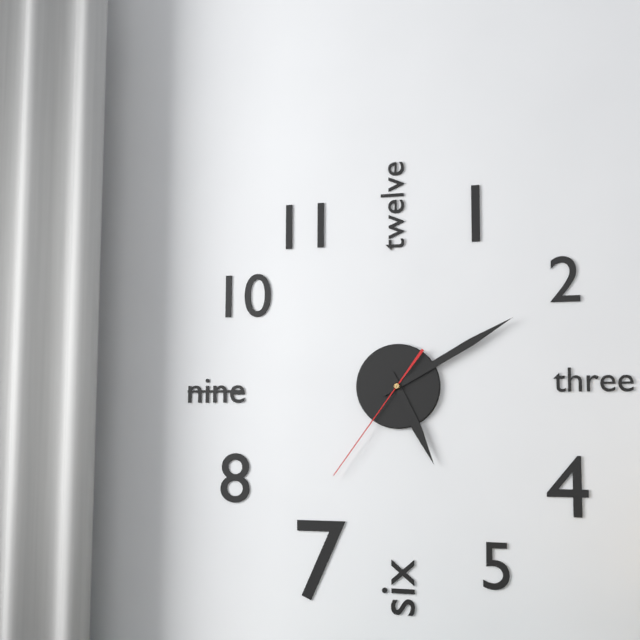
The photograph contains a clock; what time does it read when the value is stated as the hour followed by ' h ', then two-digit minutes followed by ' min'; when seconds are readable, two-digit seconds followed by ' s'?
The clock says 5 h 10 min 36 s
